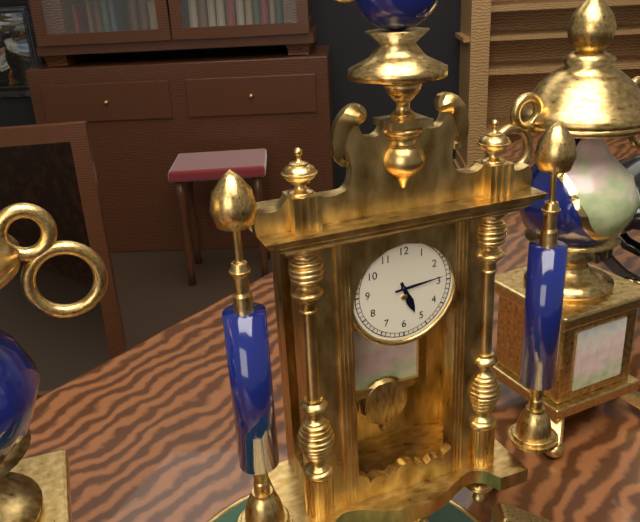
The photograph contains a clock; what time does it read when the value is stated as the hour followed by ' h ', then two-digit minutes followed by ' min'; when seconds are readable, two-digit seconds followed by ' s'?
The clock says 5 h 14 min
